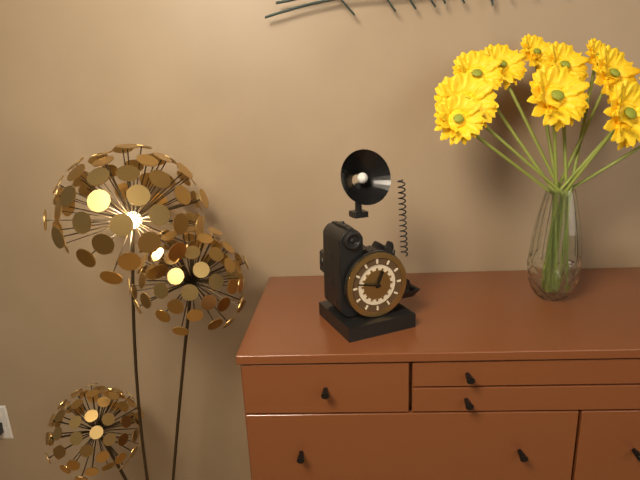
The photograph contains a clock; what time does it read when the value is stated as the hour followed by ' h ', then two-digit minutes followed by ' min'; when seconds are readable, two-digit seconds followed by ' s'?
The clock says 12 h 47 min
